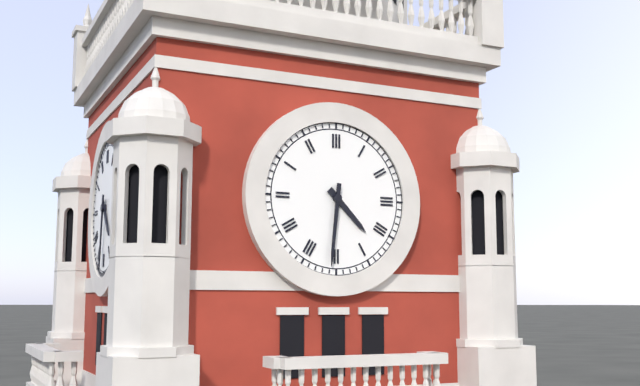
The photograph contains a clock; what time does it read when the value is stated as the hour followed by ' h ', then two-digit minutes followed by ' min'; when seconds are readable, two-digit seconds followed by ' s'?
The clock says 4 h 31 min
